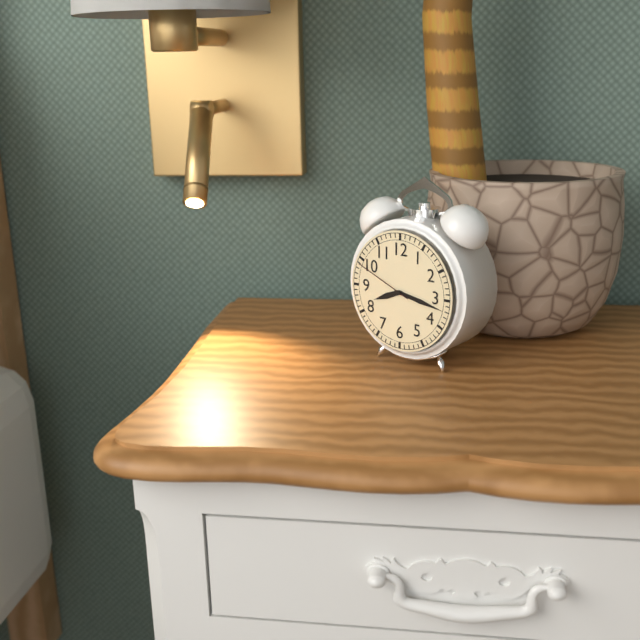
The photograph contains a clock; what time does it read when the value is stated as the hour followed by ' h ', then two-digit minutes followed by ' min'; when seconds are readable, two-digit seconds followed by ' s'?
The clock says 8 h 17 min 49 s
